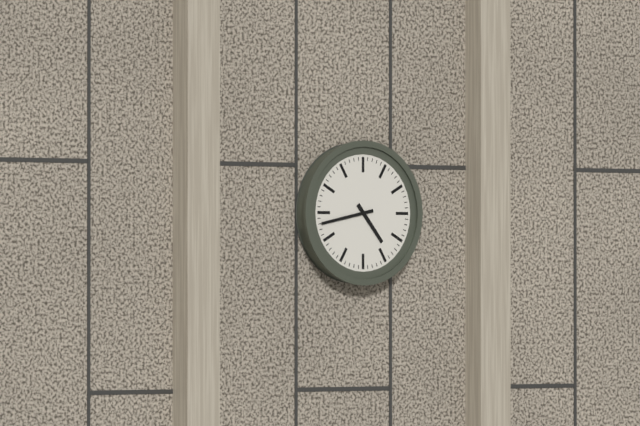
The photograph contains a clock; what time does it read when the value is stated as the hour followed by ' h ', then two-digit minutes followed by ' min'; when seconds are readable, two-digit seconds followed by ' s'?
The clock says 4 h 43 min
